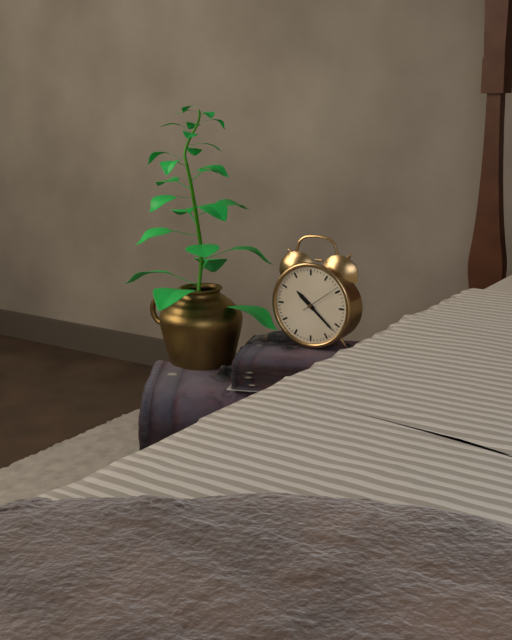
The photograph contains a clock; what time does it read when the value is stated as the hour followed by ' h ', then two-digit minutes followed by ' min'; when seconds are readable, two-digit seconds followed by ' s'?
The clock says 10 h 22 min
